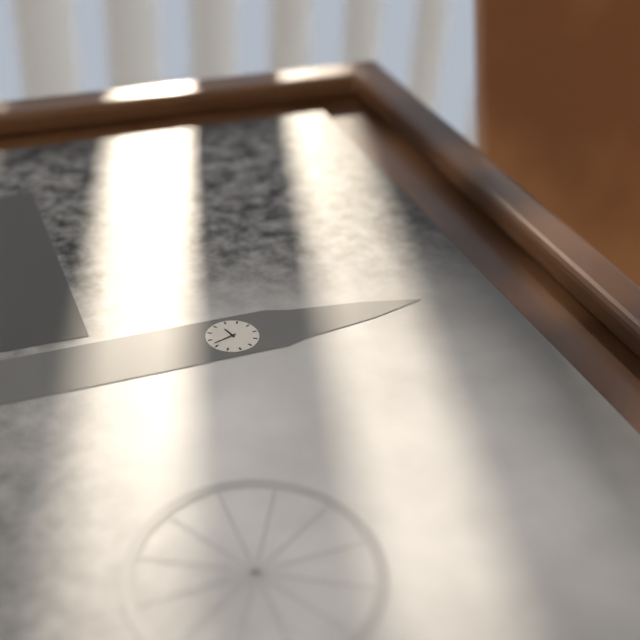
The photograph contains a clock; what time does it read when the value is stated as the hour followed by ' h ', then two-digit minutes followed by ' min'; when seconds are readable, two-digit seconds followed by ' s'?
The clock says 8 h 27 min
